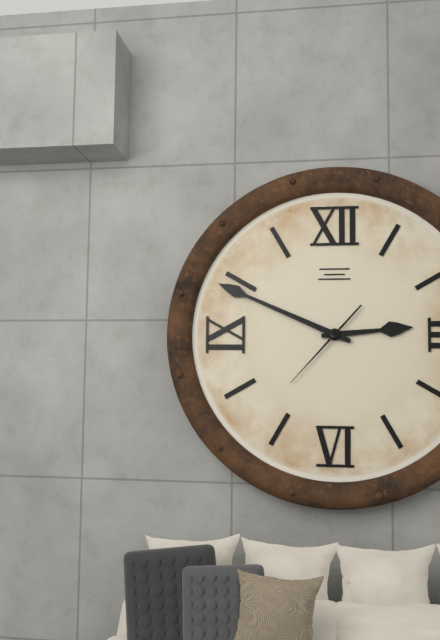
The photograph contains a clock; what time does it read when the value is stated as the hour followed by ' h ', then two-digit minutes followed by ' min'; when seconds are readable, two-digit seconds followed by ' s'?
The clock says 2 h 49 min 37 s
